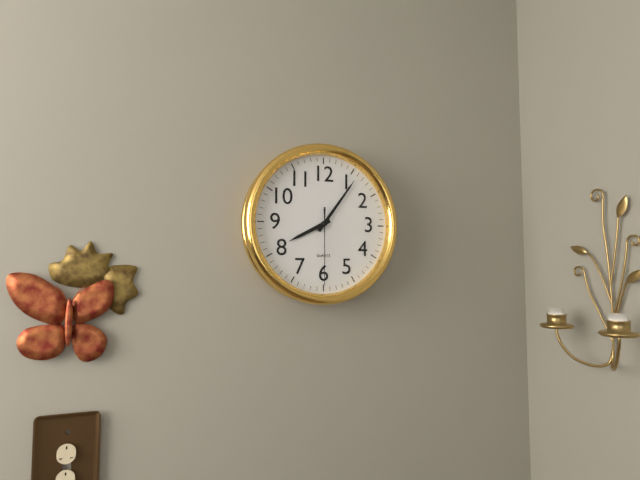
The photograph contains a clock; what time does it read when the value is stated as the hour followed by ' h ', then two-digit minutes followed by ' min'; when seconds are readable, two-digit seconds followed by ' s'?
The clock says 8 h 06 min 30 s
